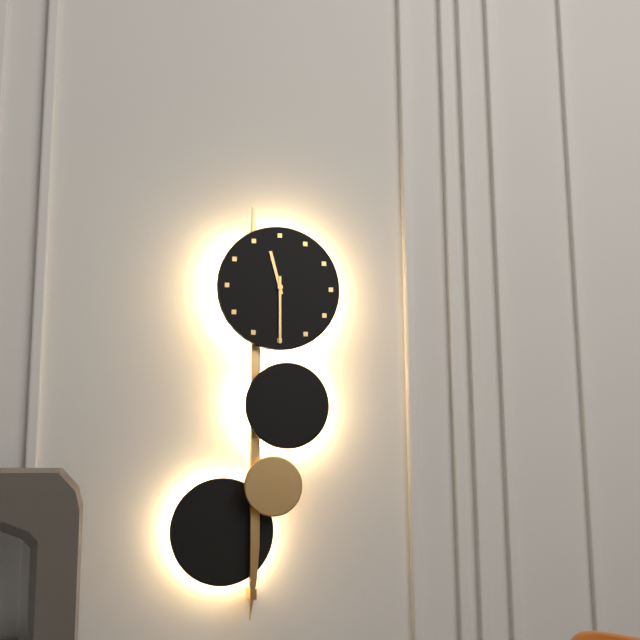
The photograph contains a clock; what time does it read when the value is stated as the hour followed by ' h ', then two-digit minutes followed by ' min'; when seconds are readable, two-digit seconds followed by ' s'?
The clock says 11 h 30 min
